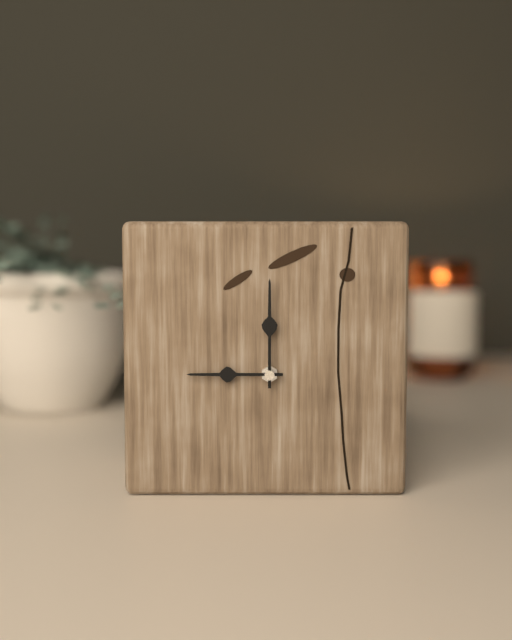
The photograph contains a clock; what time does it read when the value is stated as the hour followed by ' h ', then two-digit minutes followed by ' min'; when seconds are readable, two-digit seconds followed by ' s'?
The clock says 9 h 00 min
